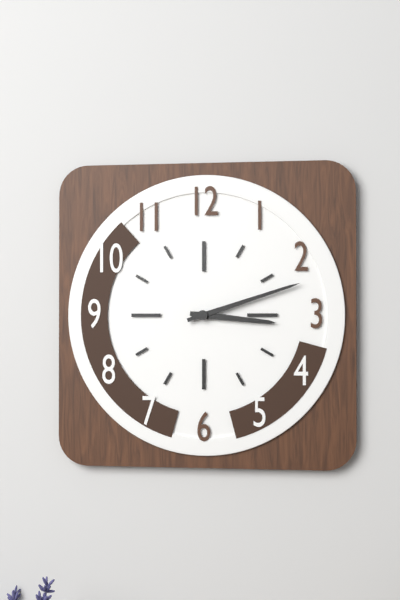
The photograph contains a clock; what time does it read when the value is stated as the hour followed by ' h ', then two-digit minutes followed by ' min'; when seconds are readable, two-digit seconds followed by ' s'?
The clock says 3 h 12 min
